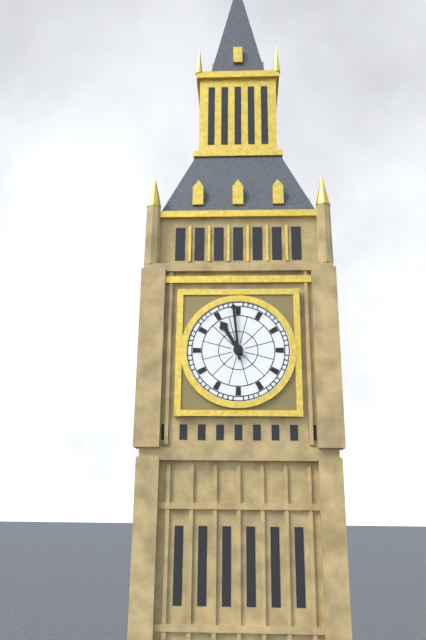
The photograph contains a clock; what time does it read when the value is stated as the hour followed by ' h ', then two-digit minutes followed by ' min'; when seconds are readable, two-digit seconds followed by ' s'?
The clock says 10 h 59 min
